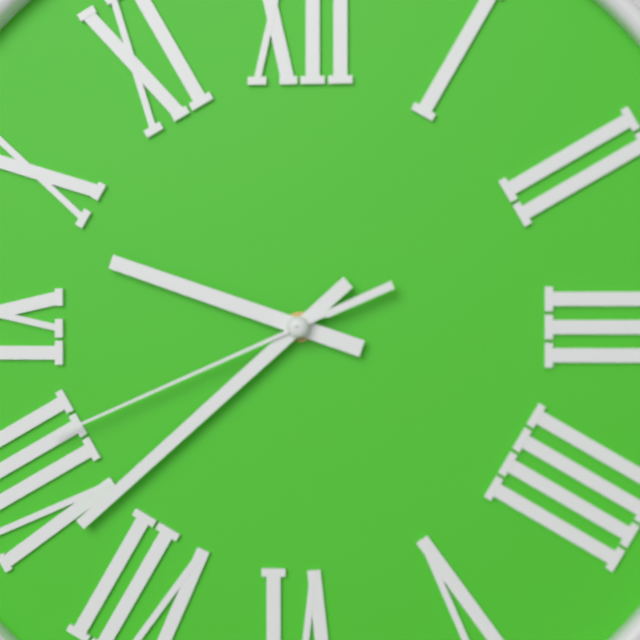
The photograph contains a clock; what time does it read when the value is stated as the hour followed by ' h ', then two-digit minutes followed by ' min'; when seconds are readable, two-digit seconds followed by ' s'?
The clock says 9 h 38 min 41 s
